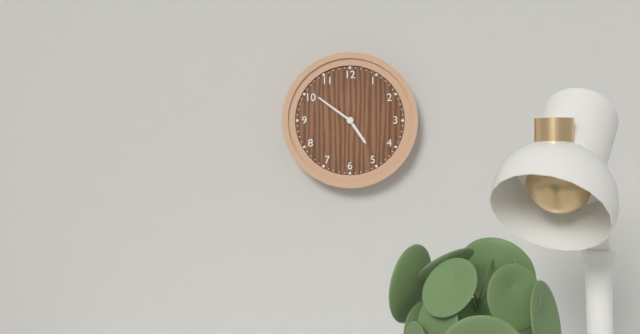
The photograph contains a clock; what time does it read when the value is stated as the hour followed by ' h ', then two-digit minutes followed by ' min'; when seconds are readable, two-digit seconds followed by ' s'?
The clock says 4 h 51 min
